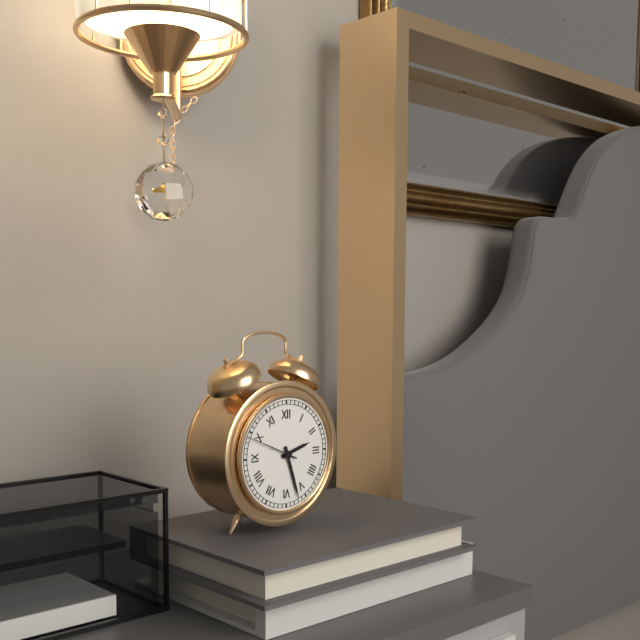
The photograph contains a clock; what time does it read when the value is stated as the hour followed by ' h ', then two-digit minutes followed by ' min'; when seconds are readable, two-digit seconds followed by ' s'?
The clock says 2 h 27 min 49 s
